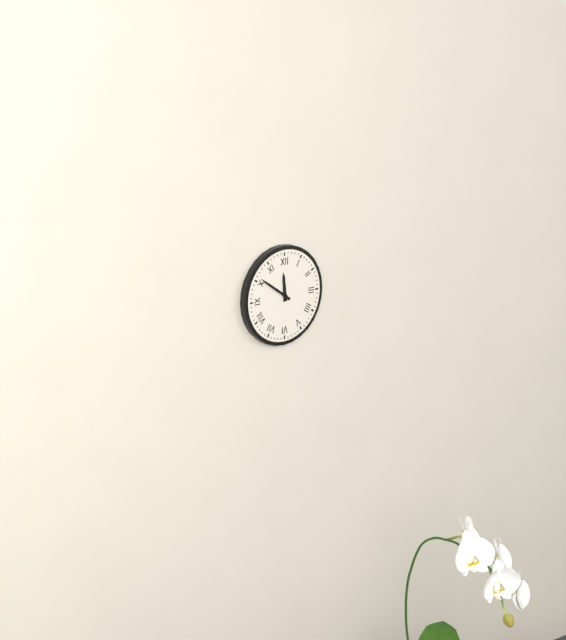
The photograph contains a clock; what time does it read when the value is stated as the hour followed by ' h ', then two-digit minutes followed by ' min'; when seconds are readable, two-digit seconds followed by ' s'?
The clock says 11 h 51 min
